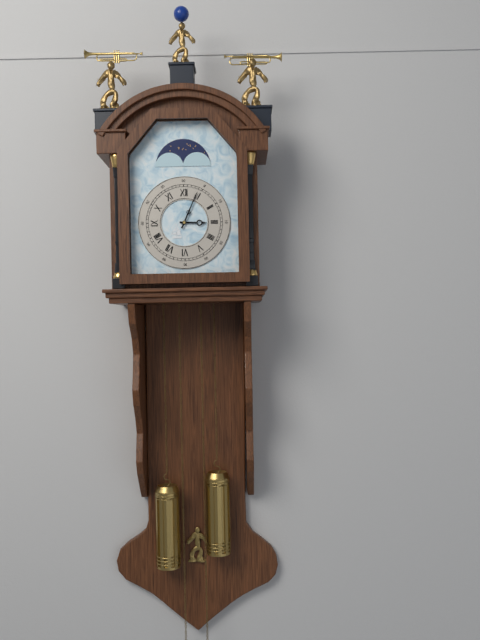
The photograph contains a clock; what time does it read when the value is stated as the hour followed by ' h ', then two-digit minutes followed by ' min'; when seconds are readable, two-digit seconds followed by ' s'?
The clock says 3 h 04 min
